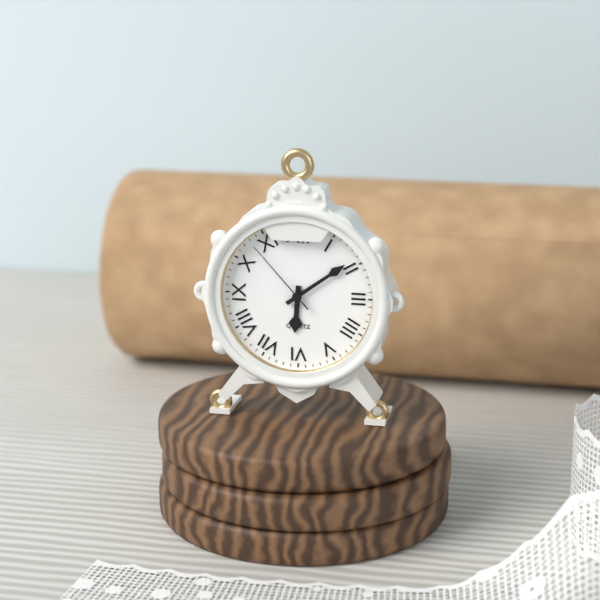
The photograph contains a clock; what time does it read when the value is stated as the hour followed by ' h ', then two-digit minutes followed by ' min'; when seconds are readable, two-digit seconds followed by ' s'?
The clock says 6 h 09 min 53 s
